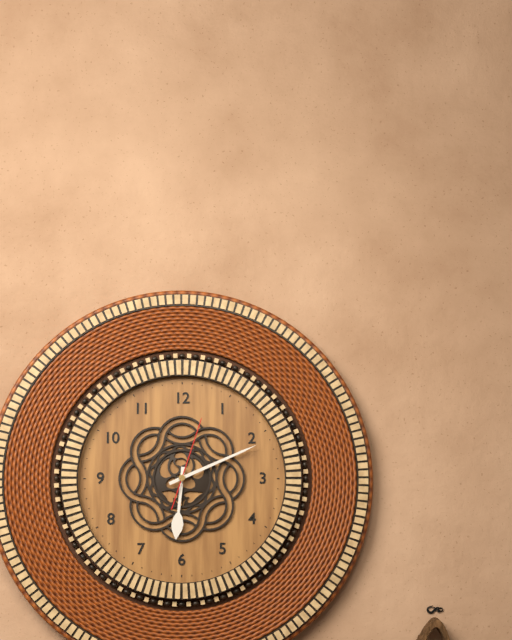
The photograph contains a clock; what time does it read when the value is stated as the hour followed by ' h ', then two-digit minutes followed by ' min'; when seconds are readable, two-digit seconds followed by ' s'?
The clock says 6 h 11 min 03 s
